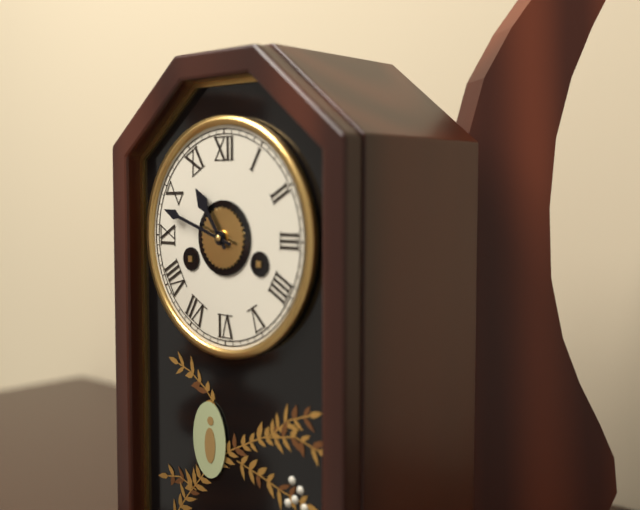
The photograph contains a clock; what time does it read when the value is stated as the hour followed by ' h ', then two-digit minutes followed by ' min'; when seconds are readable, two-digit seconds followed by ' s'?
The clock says 10 h 48 min
